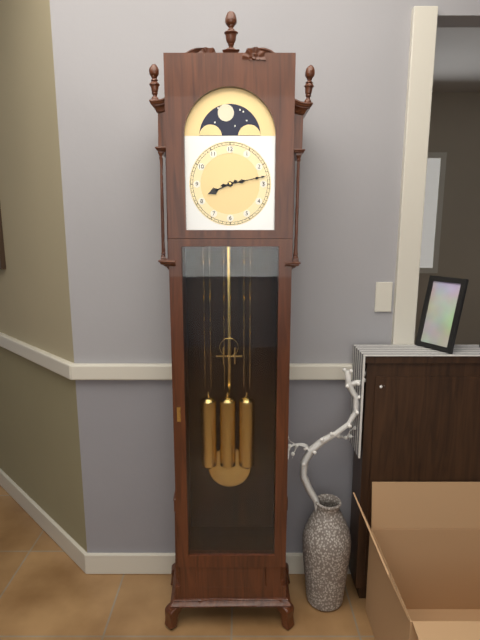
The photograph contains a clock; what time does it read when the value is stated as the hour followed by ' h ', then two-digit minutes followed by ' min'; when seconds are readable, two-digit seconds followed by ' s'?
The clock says 8 h 13 min
